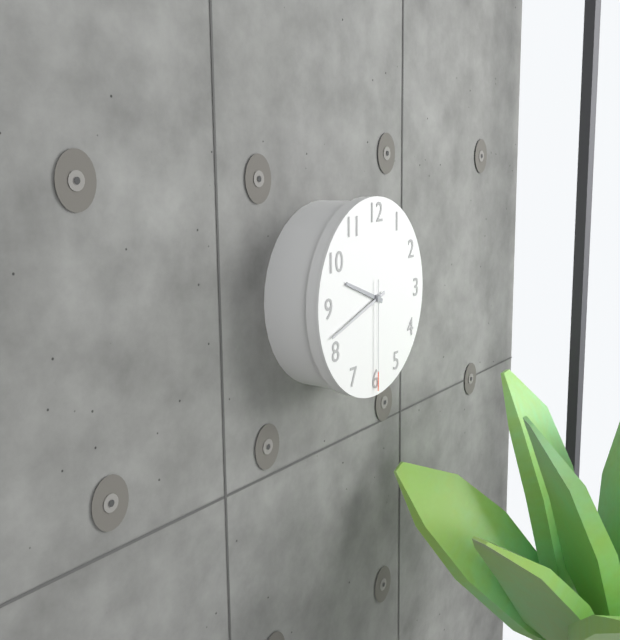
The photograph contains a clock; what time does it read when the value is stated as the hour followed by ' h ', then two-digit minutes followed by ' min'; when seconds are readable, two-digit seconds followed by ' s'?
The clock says 9 h 42 min 30 s
